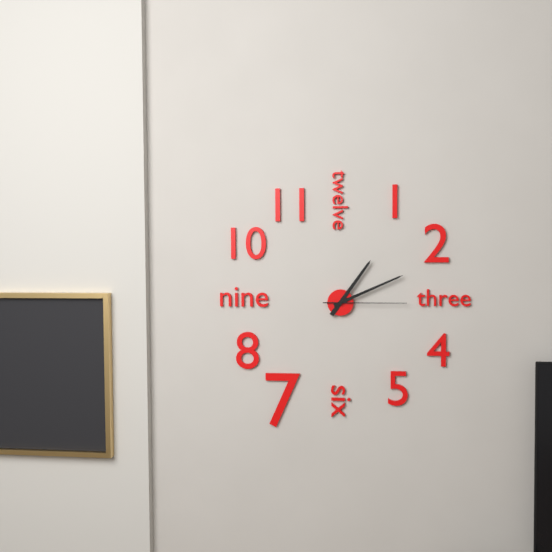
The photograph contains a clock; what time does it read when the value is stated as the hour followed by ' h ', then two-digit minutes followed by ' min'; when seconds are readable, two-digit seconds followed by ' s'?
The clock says 1 h 11 min 15 s
